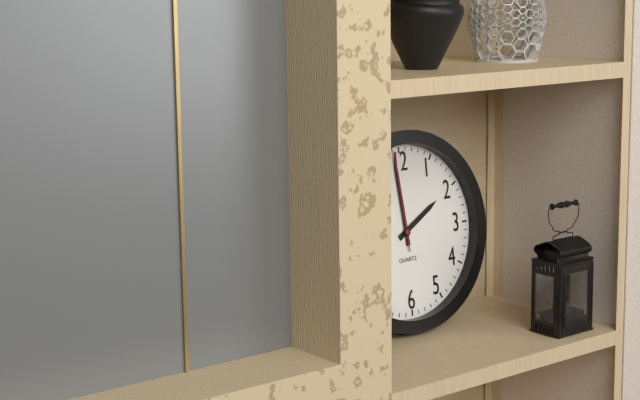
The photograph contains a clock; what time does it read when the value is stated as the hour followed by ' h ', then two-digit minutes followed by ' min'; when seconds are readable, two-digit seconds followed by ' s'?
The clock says 1 h 59 min 59 s
